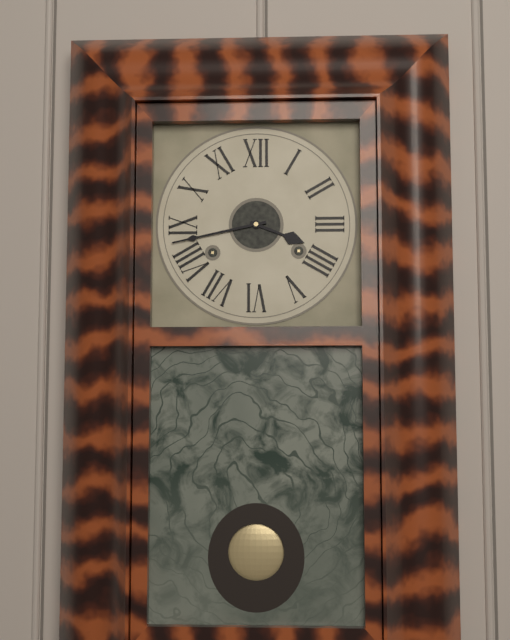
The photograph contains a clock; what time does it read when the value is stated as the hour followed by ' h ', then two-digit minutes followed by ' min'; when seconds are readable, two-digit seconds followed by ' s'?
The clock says 3 h 43 min
